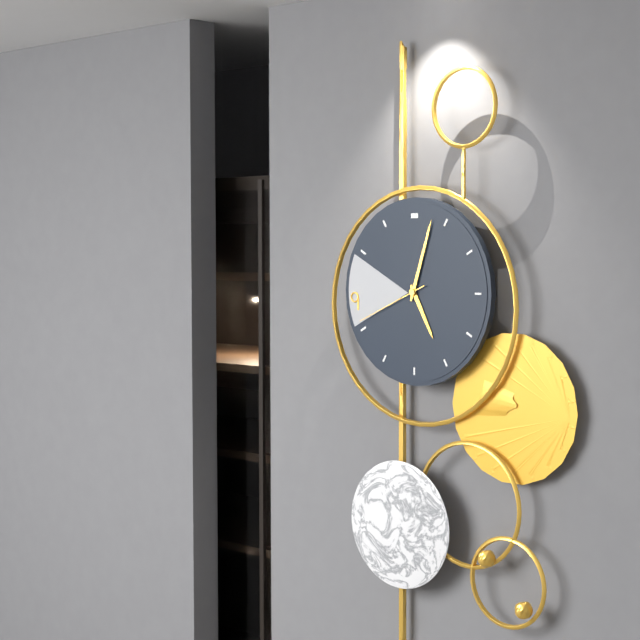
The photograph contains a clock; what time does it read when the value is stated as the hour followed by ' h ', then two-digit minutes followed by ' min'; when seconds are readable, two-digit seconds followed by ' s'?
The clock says 5 h 03 min 41 s
